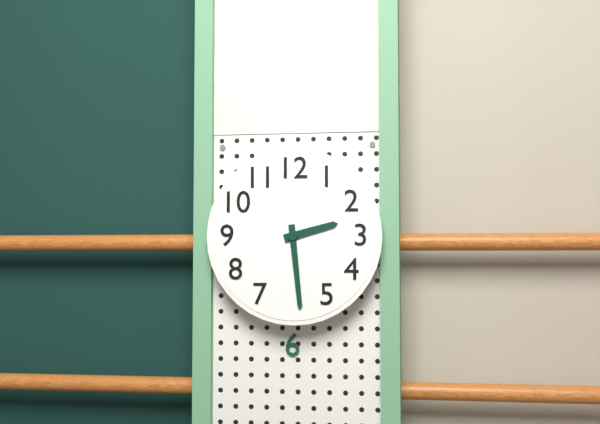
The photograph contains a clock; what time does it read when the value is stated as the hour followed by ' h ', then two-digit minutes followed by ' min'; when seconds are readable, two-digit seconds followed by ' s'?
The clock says 2 h 29 min
